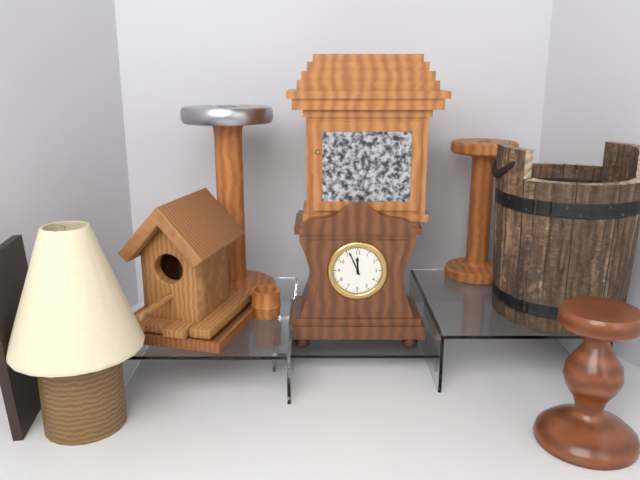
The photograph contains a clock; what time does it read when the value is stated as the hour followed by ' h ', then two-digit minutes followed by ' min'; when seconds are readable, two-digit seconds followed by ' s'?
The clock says 11 h 56 min
